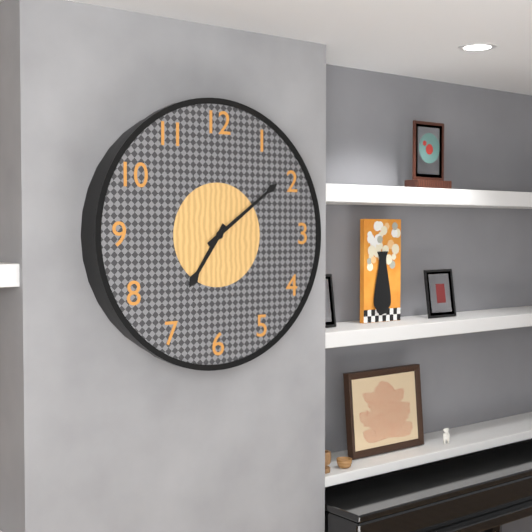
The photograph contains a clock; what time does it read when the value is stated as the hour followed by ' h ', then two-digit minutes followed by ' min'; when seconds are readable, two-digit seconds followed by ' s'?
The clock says 7 h 09 min
